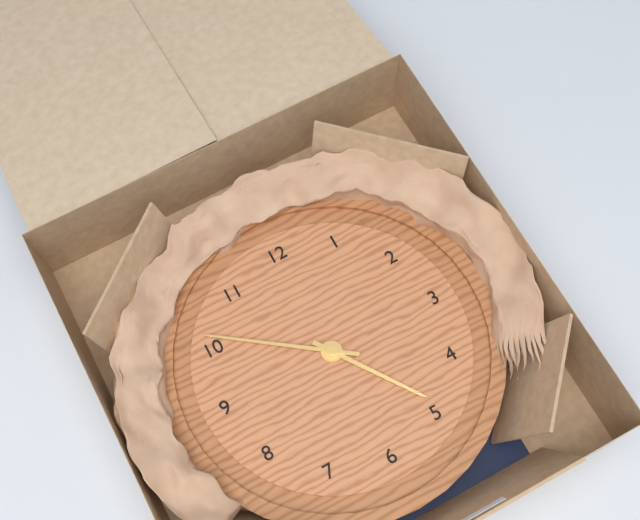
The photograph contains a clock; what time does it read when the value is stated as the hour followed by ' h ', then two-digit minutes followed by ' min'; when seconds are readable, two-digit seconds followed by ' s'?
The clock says 4 h 51 min
